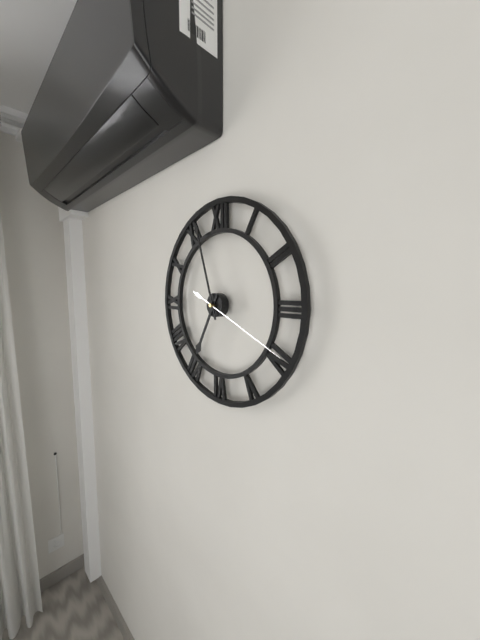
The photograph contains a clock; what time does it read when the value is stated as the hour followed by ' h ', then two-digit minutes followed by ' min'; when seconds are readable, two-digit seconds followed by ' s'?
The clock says 6 h 57 min 19 s
